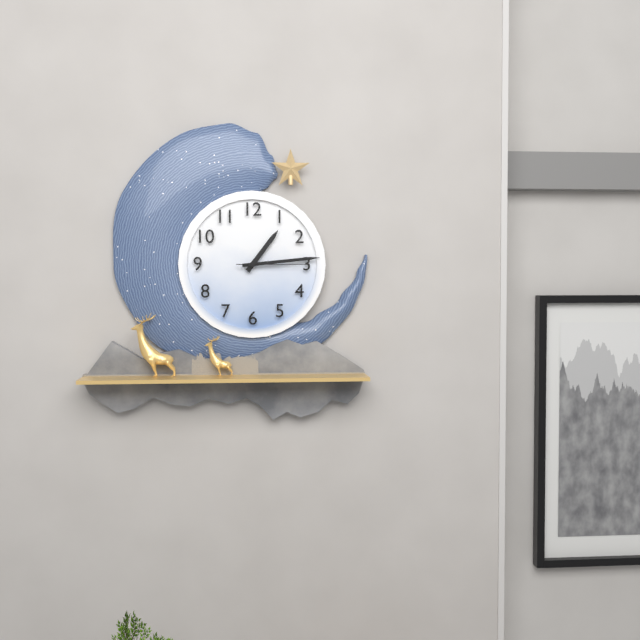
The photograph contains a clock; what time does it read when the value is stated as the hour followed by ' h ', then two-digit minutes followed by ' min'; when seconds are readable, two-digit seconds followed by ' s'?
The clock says 1 h 14 min 15 s
